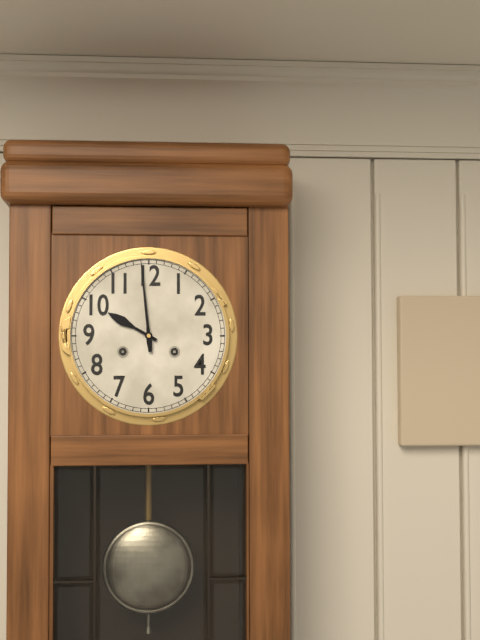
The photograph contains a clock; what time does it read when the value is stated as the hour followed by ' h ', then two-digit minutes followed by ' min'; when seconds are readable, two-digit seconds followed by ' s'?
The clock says 9 h 59 min
